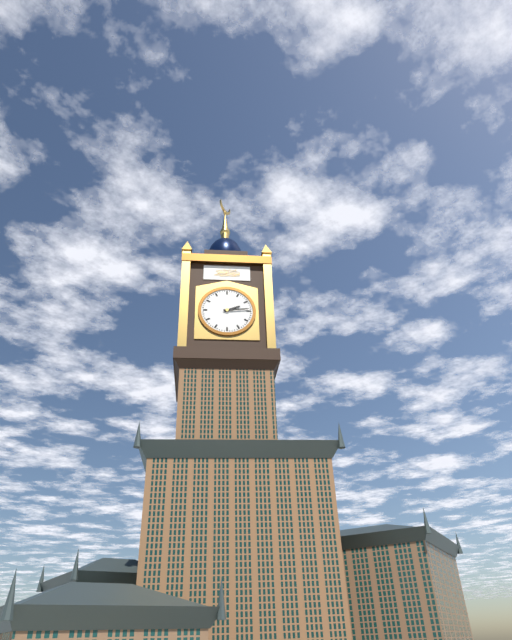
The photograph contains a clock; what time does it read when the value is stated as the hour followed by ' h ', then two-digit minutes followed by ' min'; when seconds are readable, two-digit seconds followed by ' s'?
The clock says 2 h 14 min
